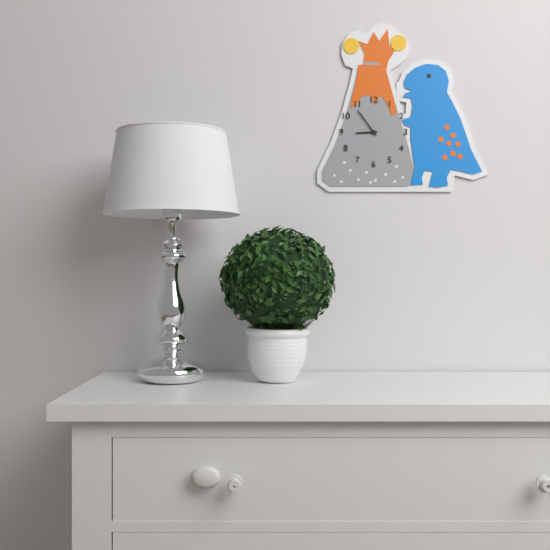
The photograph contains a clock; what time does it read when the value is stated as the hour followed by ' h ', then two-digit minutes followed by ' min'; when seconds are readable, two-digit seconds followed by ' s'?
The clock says 8 h 54 min
